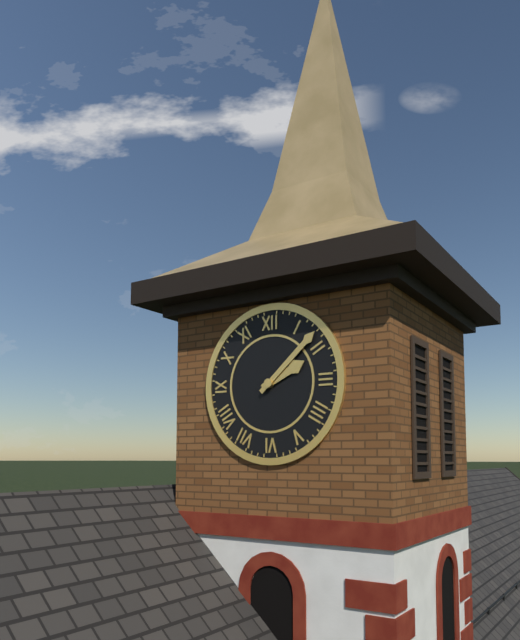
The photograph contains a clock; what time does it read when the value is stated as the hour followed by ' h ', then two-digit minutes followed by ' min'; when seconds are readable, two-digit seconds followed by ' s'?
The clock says 2 h 08 min
